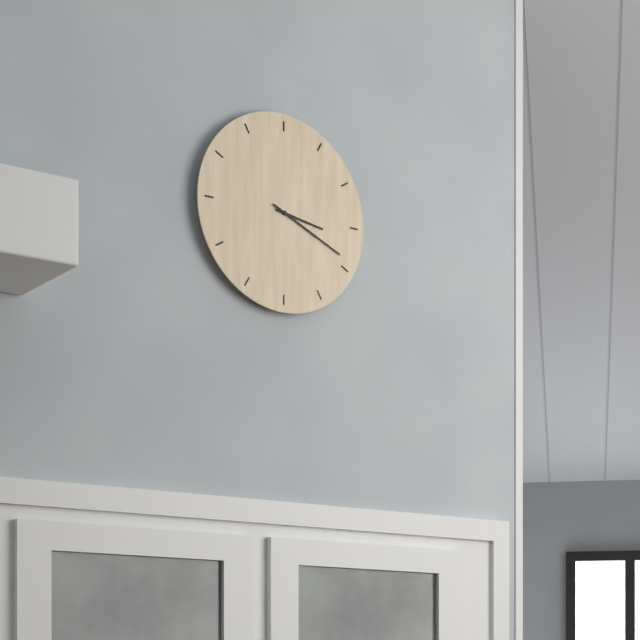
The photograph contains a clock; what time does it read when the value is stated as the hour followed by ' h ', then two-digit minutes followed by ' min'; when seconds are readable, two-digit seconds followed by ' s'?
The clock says 3 h 19 min
